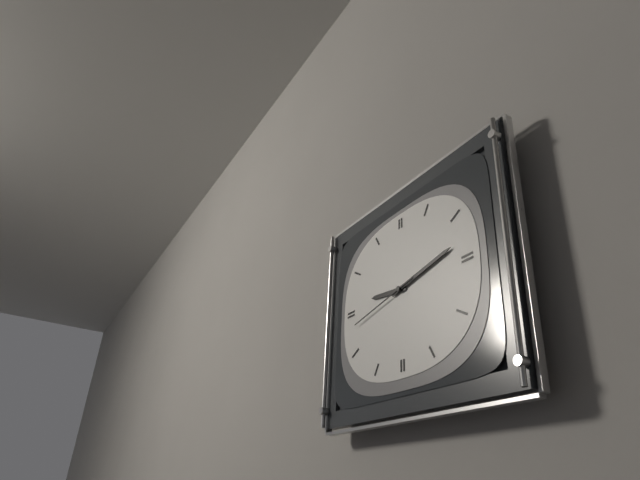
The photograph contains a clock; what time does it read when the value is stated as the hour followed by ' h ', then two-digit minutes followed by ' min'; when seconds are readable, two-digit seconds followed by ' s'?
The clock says 9 h 13 min 43 s
